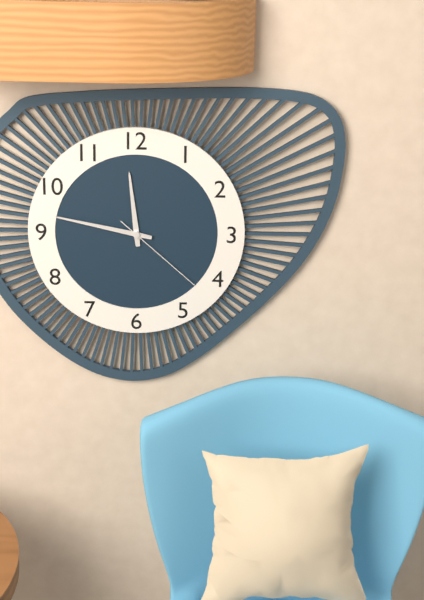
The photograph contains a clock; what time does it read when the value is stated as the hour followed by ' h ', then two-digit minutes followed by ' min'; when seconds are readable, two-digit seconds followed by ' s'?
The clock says 11 h 47 min 22 s
